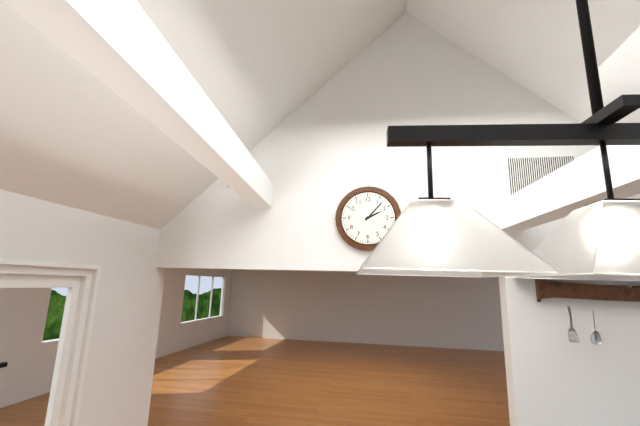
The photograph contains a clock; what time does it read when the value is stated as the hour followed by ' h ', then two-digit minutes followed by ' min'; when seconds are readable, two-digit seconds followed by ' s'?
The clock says 2 h 07 min
